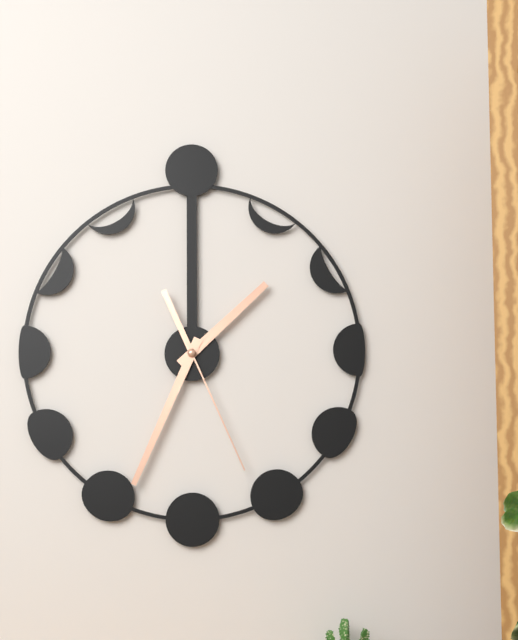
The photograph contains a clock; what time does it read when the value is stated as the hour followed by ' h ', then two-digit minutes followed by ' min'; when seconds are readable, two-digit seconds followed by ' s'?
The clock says 1 h 34 min 26 s
